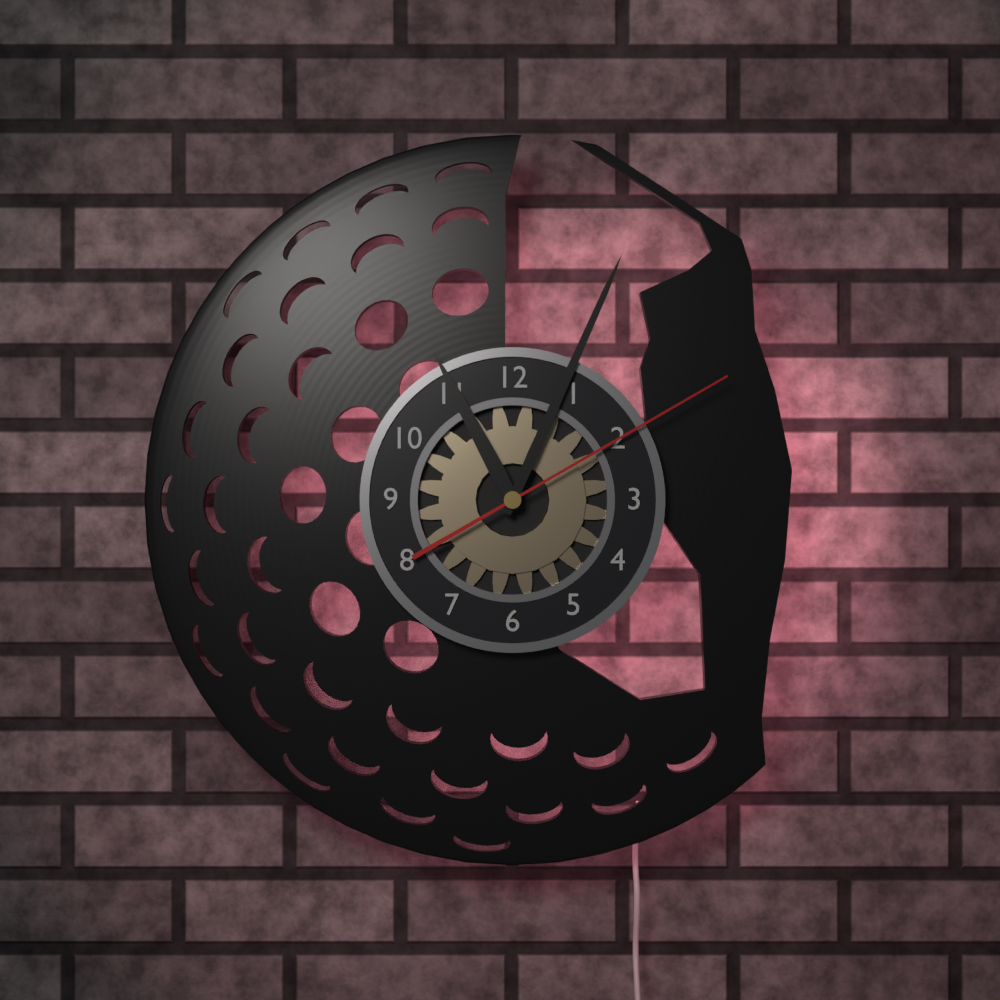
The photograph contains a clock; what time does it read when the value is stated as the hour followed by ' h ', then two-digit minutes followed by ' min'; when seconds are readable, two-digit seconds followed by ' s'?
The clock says 11 h 04 min 10 s
